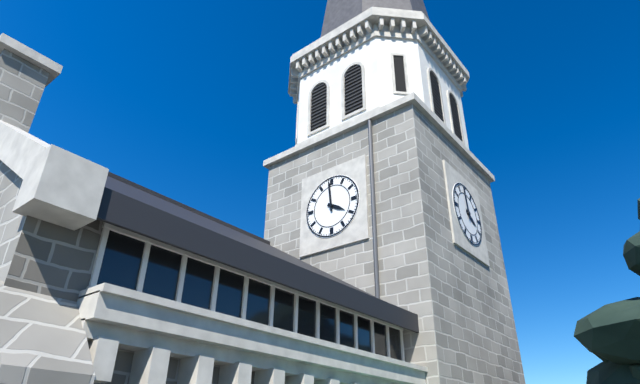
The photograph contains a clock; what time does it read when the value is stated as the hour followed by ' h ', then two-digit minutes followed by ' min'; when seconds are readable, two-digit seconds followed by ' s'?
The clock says 3 h 59 min
